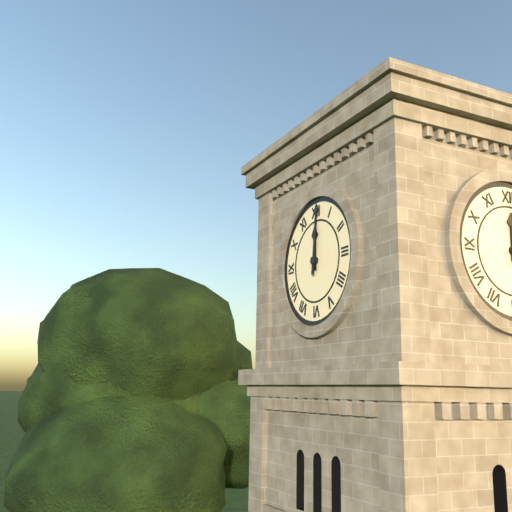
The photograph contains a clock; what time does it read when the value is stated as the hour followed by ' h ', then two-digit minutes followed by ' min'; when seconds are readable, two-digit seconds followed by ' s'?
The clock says 12 h 01 min
